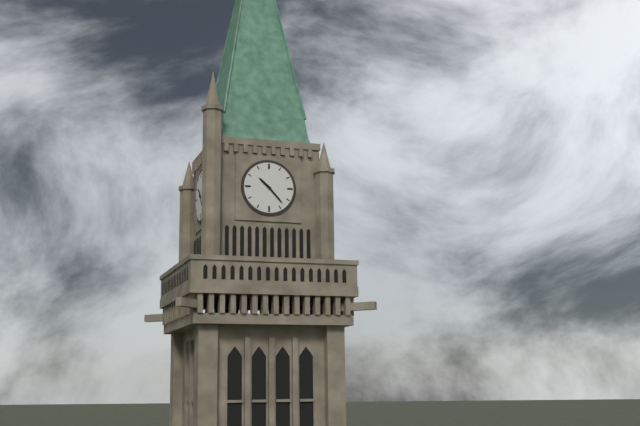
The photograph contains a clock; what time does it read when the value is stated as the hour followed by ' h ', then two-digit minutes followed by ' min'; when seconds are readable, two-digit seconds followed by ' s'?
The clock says 10 h 23 min
